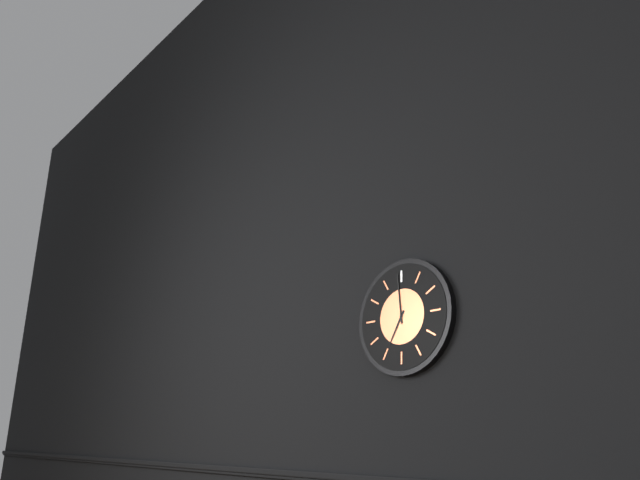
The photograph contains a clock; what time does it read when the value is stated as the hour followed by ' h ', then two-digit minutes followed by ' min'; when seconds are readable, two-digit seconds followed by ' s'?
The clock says 6 h 59 min
